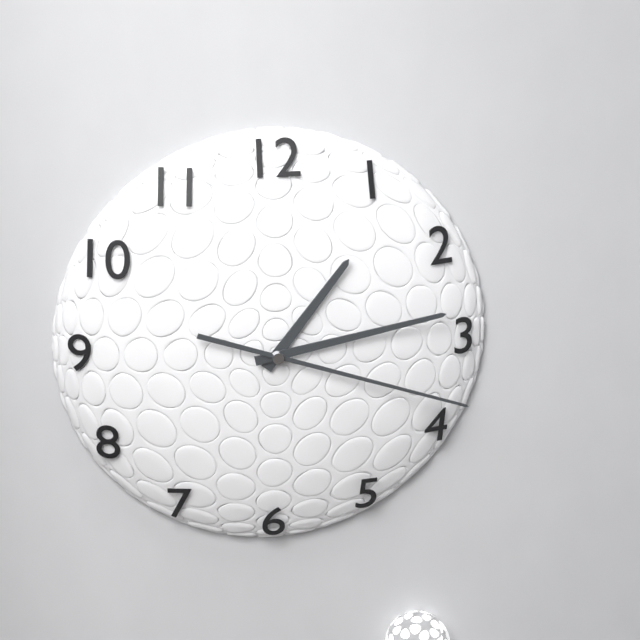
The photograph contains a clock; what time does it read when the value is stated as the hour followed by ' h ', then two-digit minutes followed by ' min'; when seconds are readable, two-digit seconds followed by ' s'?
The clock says 1 h 13 min 18 s
